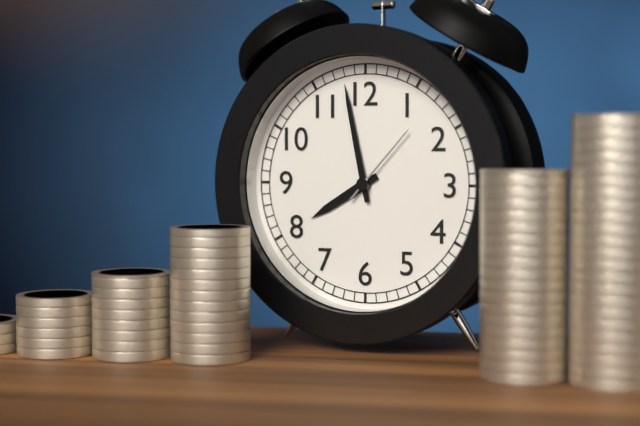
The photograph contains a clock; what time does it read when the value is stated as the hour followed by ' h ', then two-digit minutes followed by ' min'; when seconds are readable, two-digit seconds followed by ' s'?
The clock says 7 h 58 min 07 s
